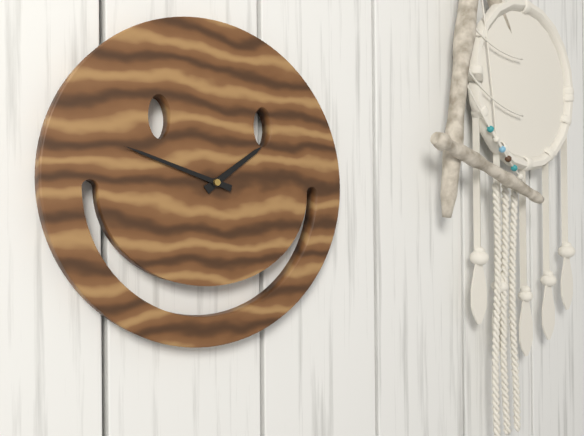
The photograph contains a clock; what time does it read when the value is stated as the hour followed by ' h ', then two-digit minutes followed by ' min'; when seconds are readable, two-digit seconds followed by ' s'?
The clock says 1 h 48 min
